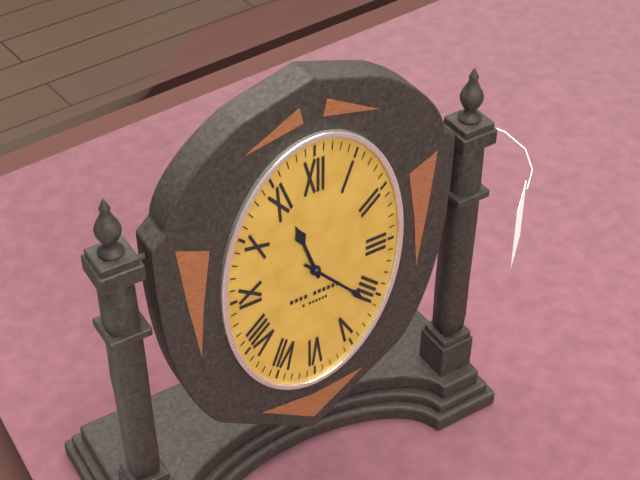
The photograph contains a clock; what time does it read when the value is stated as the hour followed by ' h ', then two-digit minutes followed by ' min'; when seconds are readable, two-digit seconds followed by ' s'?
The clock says 11 h 23 min
